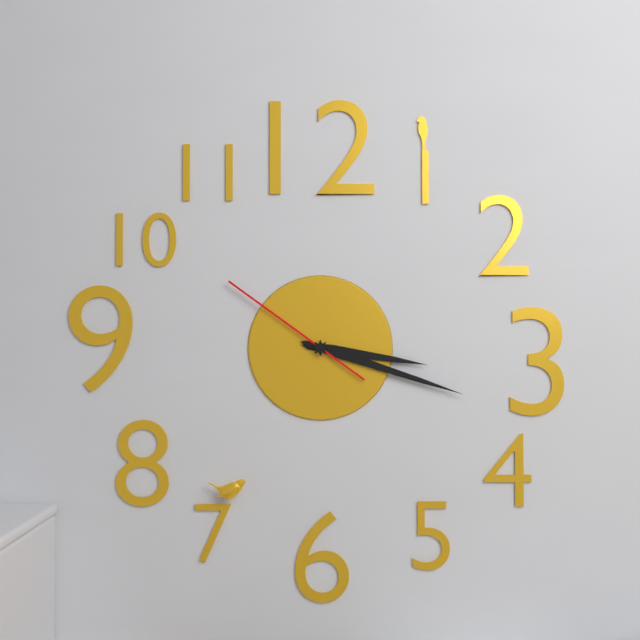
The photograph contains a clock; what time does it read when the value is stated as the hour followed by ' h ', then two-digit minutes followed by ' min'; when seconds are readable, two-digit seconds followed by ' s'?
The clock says 3 h 18 min 51 s
